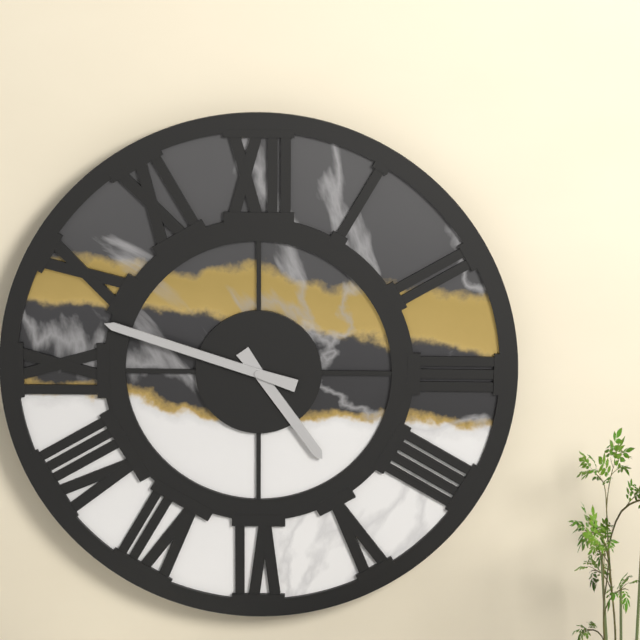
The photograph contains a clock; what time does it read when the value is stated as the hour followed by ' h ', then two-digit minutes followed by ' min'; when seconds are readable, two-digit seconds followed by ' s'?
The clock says 4 h 48 min
